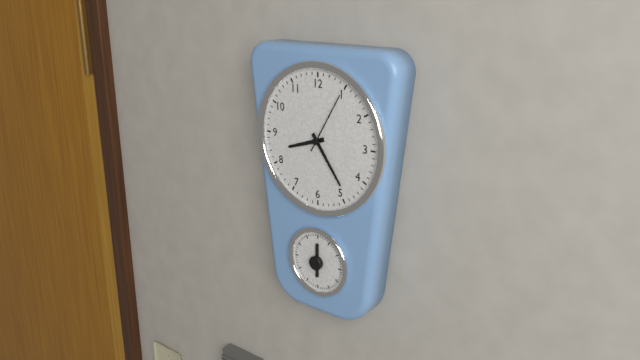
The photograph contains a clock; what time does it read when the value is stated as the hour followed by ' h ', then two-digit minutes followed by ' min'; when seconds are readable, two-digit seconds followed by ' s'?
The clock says 8 h 24 min 05 s
